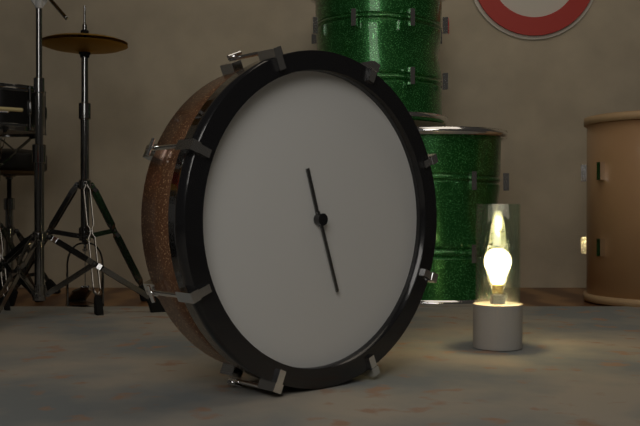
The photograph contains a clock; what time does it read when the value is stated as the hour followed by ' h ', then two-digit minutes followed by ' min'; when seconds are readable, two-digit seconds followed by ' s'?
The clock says 11 h 27 min
